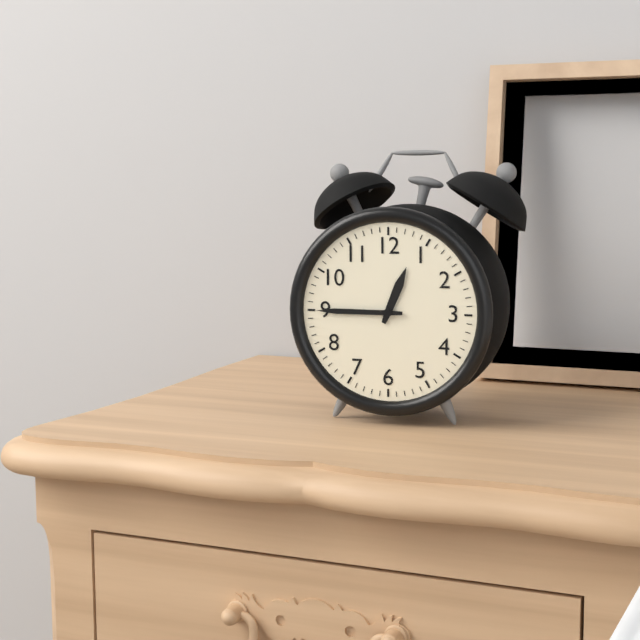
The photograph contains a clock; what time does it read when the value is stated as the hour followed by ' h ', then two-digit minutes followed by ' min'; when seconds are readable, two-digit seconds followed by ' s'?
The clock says 12 h 45 min
